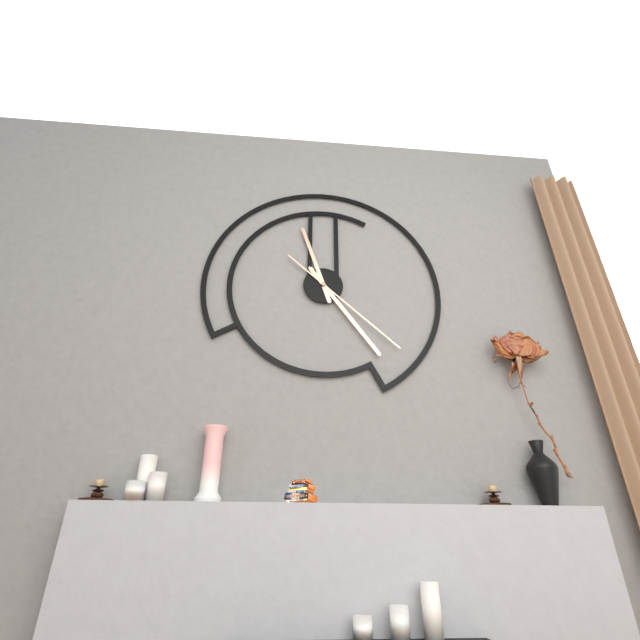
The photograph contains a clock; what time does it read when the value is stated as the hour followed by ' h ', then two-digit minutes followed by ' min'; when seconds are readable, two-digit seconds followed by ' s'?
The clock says 11 h 24 min 22 s
